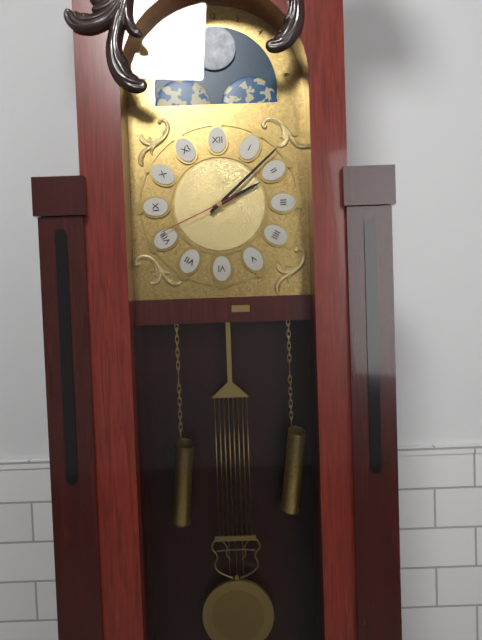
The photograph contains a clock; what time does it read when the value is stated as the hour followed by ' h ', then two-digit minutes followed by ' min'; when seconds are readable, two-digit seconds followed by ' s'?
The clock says 2 h 08 min 41 s
